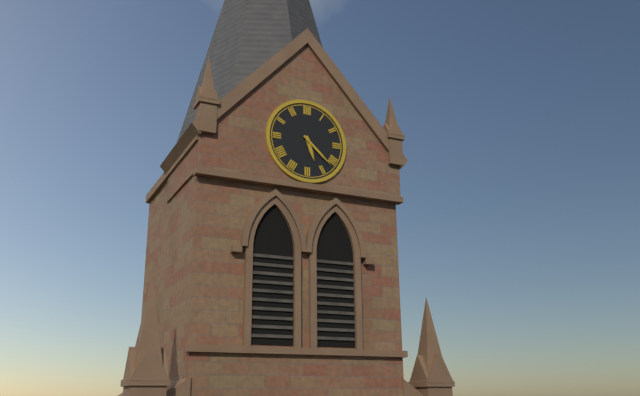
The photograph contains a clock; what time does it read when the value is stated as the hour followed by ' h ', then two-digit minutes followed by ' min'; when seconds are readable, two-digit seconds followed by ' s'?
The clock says 5 h 22 min
